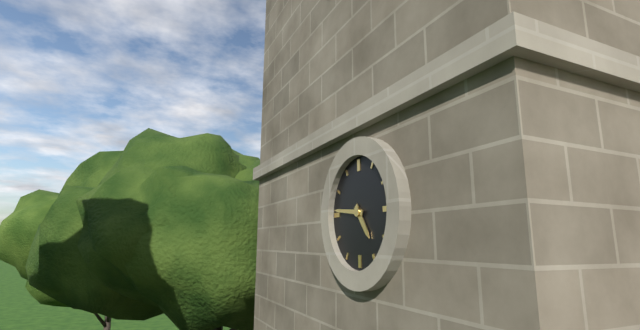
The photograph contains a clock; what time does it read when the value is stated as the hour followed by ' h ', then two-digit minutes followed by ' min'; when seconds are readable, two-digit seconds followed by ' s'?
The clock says 4 h 46 min
